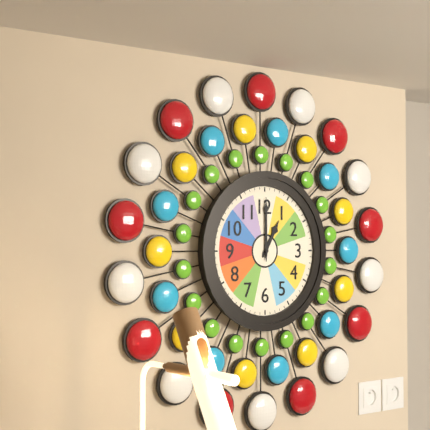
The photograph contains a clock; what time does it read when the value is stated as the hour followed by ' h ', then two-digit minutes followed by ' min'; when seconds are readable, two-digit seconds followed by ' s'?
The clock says 1 h 00 min
